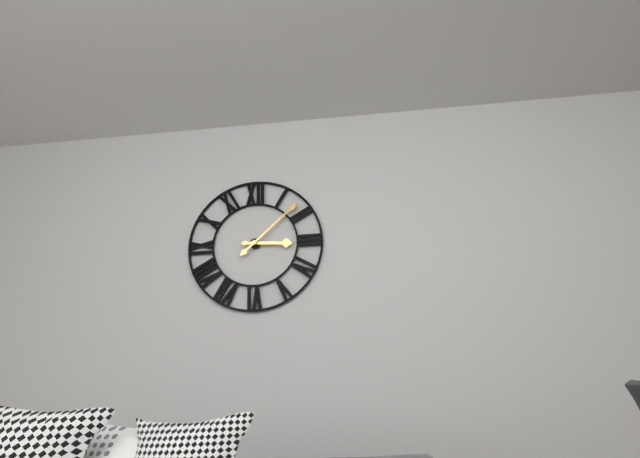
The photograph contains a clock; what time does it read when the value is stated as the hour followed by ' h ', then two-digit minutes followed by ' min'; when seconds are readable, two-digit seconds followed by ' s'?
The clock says 3 h 08 min
